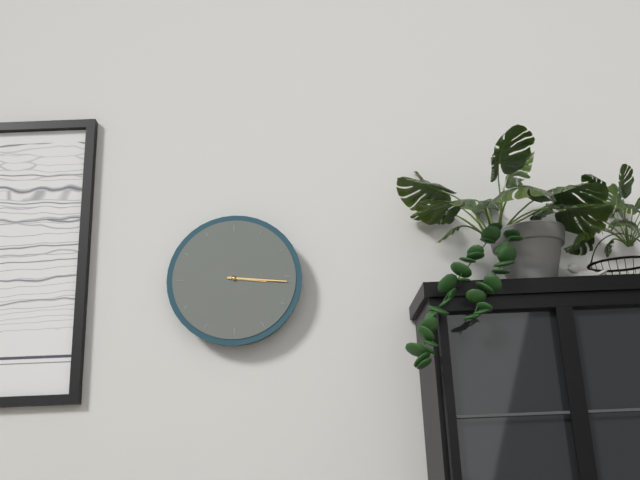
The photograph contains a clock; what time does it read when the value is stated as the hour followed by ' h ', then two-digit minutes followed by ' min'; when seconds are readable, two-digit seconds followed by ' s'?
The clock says 3 h 16 min
